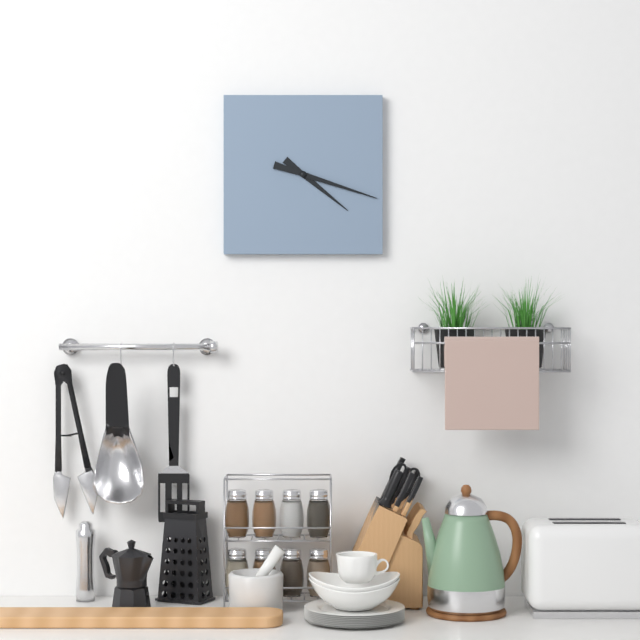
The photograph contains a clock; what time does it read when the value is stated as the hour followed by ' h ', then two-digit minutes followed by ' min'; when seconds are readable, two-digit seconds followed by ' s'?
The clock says 4 h 18 min
